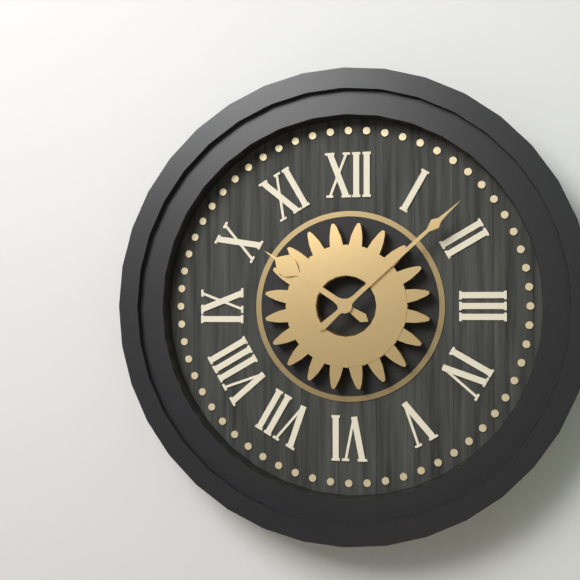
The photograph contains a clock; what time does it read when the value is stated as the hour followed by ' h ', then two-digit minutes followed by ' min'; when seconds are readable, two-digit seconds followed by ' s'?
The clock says 10 h 08 min
